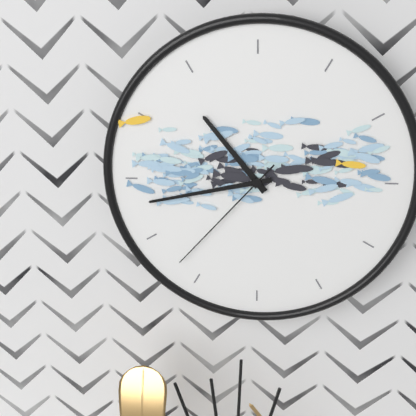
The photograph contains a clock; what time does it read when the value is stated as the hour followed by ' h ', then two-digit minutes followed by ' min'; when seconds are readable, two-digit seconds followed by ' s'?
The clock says 10 h 43 min 37 s
